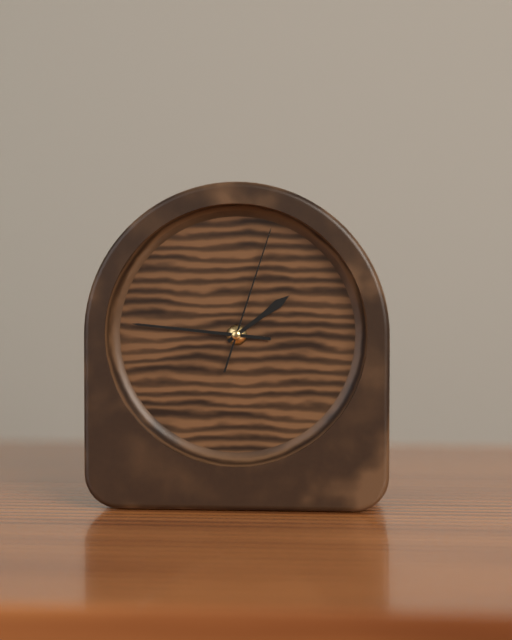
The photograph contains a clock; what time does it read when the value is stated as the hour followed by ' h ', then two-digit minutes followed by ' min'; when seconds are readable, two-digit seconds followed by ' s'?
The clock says 1 h 46 min 03 s
